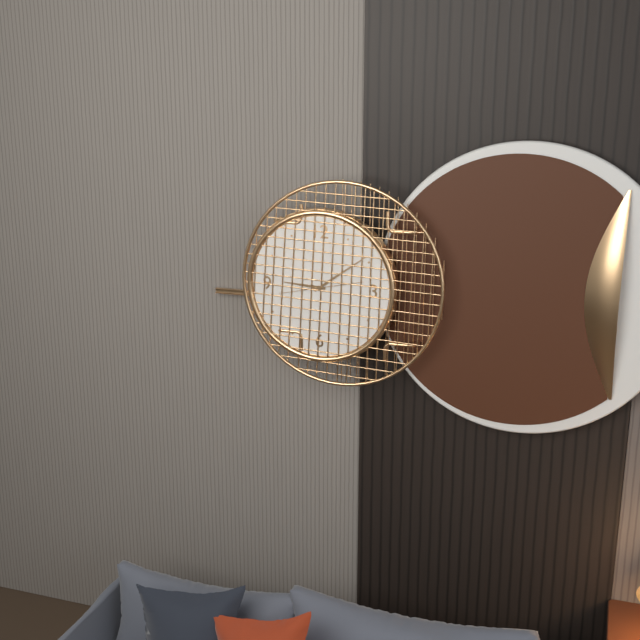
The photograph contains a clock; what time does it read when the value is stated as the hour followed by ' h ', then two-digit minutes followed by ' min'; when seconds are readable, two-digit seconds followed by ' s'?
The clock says 9 h 09 min 13 s
